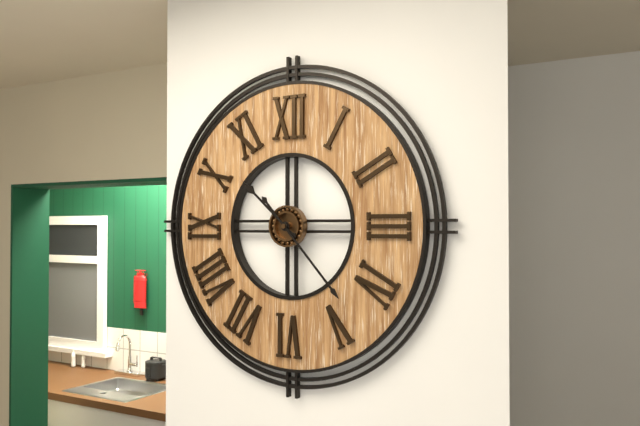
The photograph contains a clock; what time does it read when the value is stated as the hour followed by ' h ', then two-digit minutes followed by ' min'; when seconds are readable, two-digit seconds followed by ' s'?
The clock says 10 h 23 min
